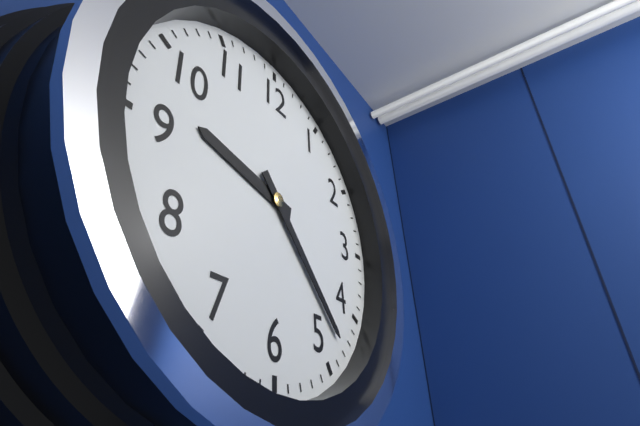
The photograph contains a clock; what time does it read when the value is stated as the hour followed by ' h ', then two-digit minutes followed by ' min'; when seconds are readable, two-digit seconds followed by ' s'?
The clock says 9 h 23 min
